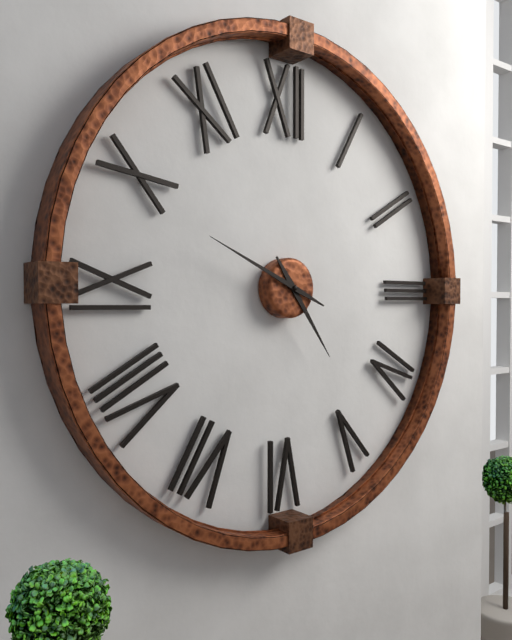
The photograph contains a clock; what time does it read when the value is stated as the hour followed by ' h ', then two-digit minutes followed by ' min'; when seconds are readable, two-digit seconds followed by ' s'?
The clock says 4 h 49 min
